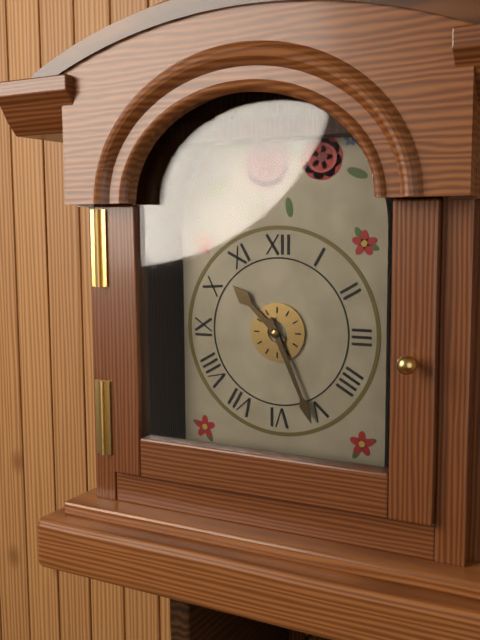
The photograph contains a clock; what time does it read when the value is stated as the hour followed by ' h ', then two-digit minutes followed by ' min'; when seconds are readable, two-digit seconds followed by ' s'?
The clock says 10 h 26 min
